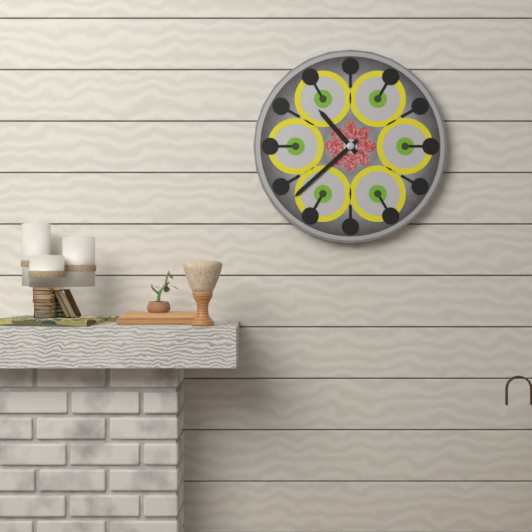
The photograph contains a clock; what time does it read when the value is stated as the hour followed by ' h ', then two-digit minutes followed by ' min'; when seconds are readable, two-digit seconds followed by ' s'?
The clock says 10 h 38 min
